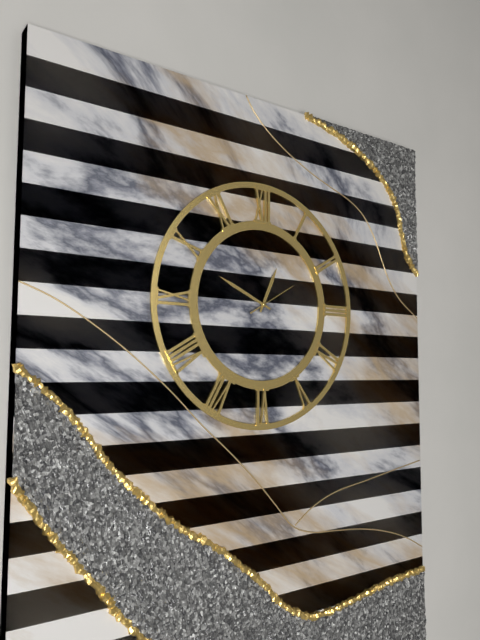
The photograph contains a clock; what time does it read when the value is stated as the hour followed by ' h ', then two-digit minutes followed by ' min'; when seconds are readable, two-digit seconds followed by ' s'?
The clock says 12 h 49 min
